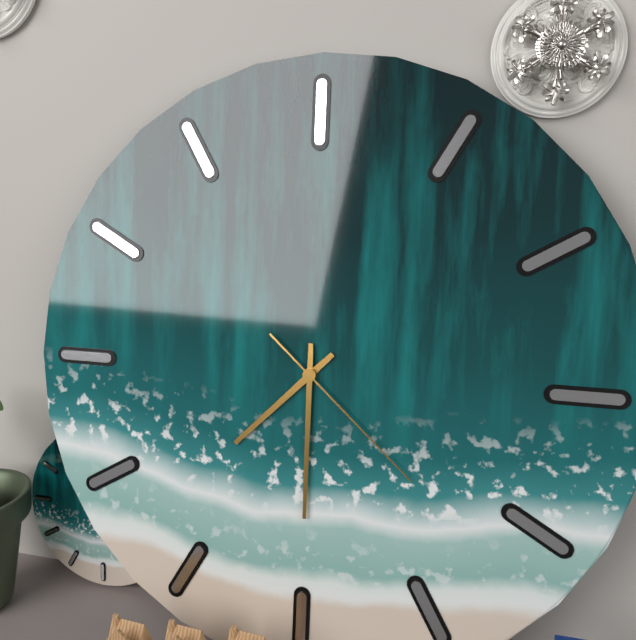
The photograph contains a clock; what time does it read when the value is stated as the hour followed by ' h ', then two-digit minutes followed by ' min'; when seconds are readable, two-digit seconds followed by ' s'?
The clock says 7 h 30 min 22 s
